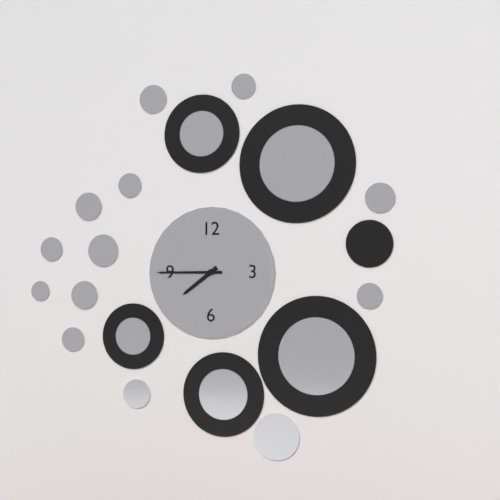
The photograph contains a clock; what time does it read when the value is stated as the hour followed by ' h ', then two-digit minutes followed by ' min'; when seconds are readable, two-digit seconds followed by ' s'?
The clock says 7 h 45 min
